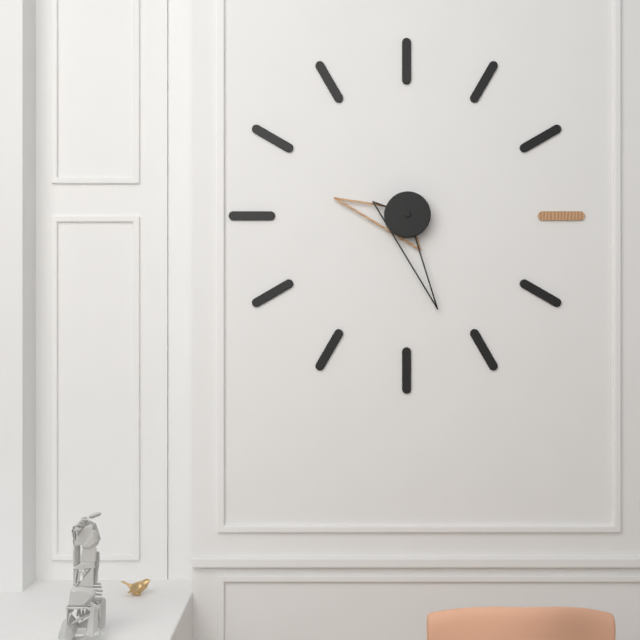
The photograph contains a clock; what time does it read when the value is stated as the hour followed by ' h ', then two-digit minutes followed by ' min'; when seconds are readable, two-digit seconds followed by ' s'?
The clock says 9 h 27 min
